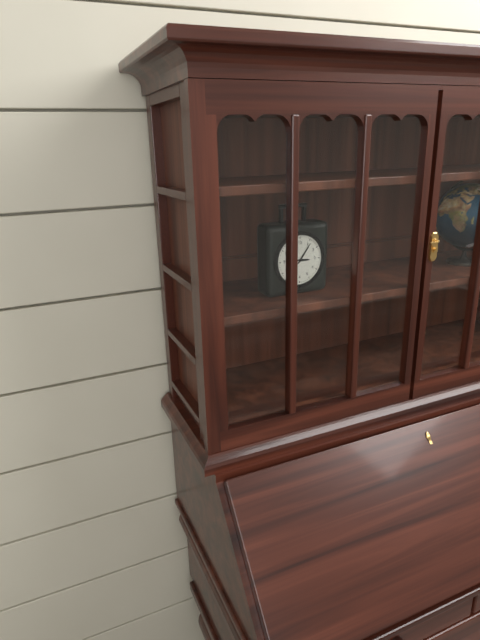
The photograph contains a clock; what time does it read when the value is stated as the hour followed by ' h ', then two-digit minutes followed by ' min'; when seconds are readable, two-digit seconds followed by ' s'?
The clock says 3 h 06 min
